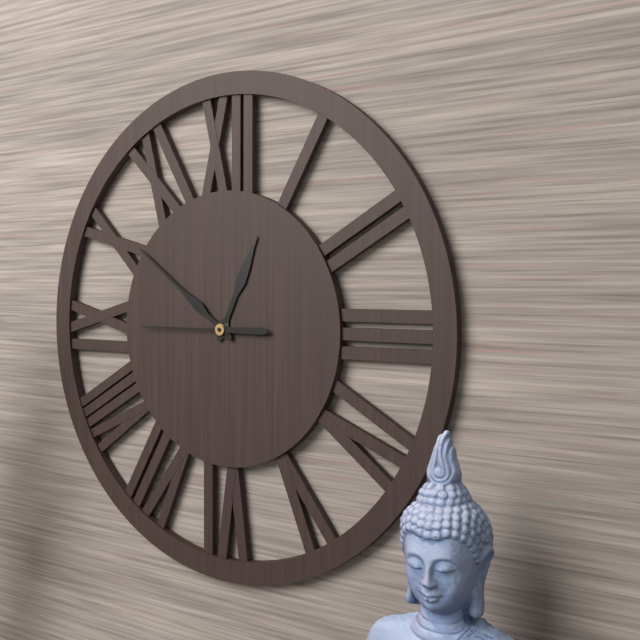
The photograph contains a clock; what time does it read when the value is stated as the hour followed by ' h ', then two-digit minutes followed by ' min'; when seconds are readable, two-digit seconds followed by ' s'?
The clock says 12 h 51 min 45 s
